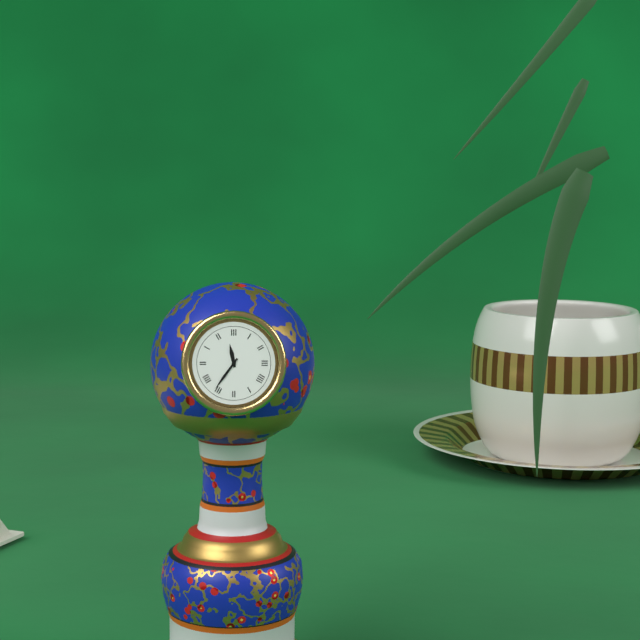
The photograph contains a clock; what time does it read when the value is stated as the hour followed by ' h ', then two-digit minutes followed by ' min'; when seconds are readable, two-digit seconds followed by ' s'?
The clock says 11 h 36 min
